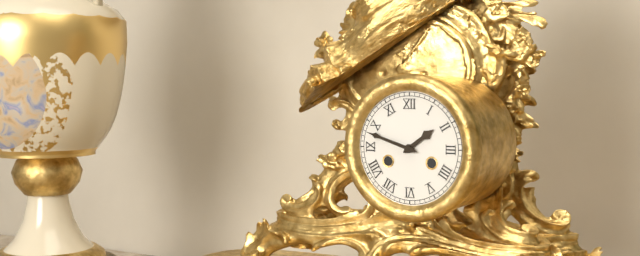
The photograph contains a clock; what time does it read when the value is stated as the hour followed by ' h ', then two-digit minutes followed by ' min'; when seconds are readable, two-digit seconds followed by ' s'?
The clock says 1 h 48 min
